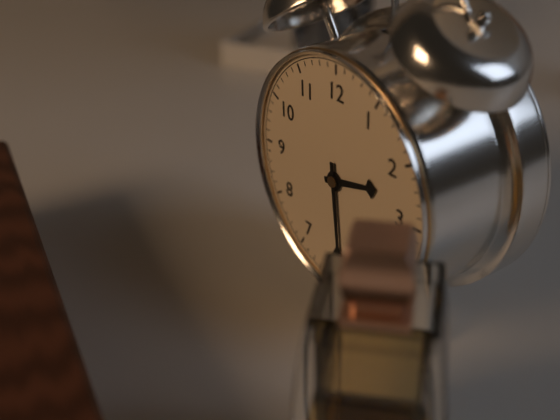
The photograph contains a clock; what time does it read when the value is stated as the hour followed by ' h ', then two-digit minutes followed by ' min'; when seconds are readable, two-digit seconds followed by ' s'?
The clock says 2 h 29 min
